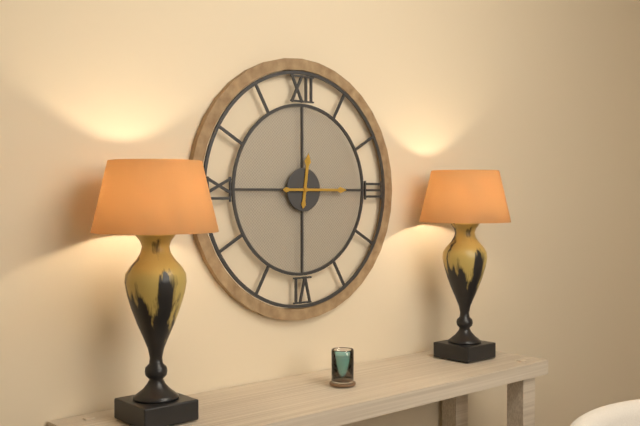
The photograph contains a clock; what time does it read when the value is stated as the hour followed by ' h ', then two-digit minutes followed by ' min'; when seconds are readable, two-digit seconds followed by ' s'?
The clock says 12 h 15 min
